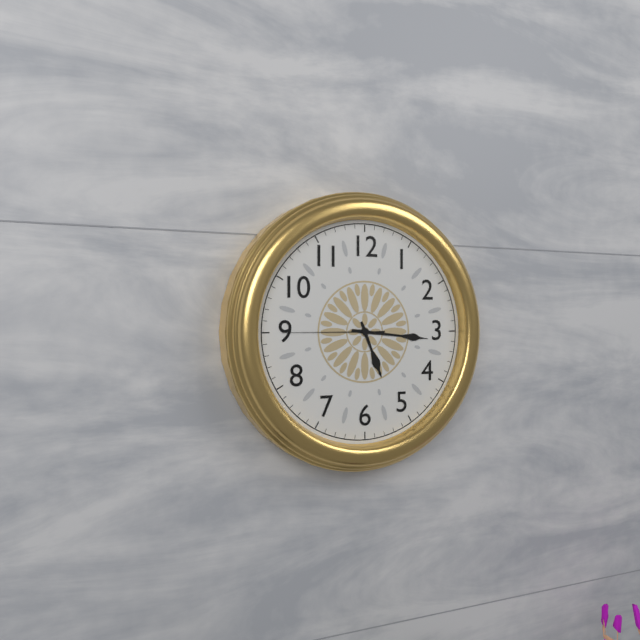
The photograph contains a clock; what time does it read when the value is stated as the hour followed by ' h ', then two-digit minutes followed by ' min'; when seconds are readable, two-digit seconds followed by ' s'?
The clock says 5 h 16 min 45 s
